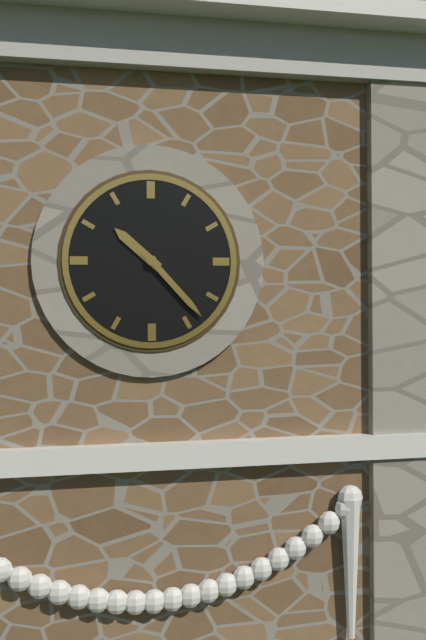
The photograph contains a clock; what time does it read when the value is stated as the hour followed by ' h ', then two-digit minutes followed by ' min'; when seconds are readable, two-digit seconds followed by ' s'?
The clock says 10 h 23 min
